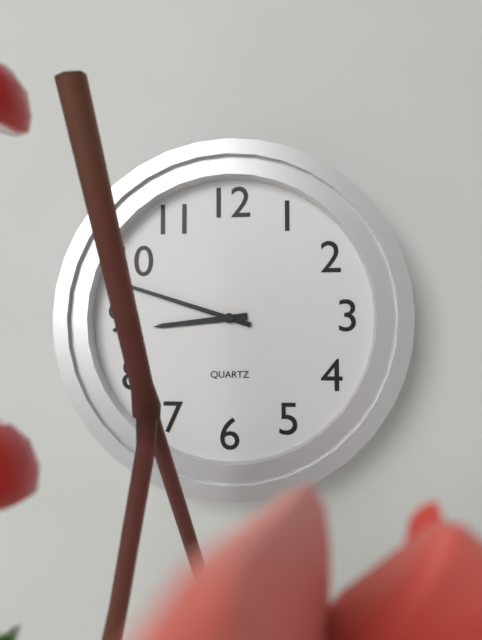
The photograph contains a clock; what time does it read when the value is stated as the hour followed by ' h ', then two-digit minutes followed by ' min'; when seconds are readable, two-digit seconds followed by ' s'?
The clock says 8 h 48 min
